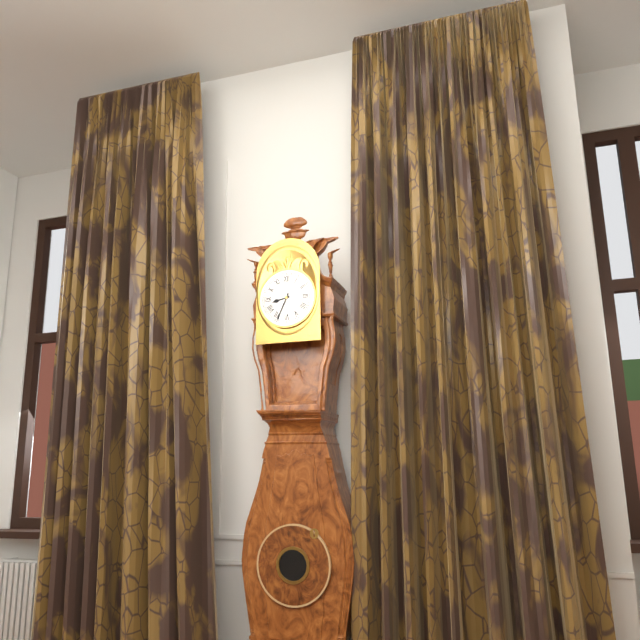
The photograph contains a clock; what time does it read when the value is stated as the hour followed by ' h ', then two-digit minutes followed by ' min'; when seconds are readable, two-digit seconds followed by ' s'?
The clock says 8 h 34 min
